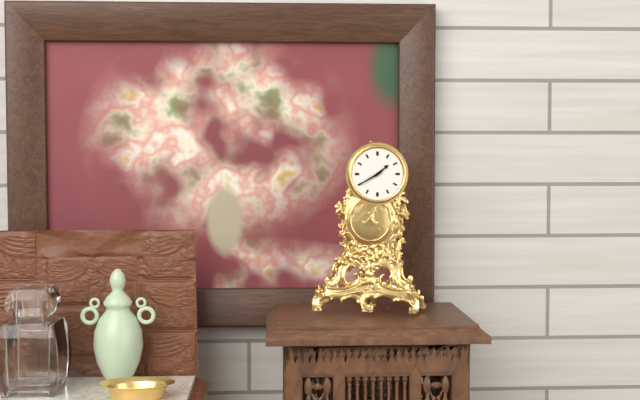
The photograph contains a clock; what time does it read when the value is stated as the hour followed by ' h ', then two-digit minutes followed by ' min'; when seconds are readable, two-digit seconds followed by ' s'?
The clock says 1 h 40 min
